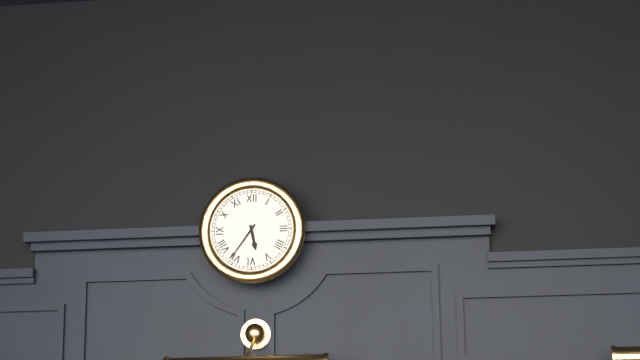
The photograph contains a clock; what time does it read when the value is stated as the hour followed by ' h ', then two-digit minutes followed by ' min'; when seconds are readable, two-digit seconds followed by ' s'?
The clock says 5 h 36 min
